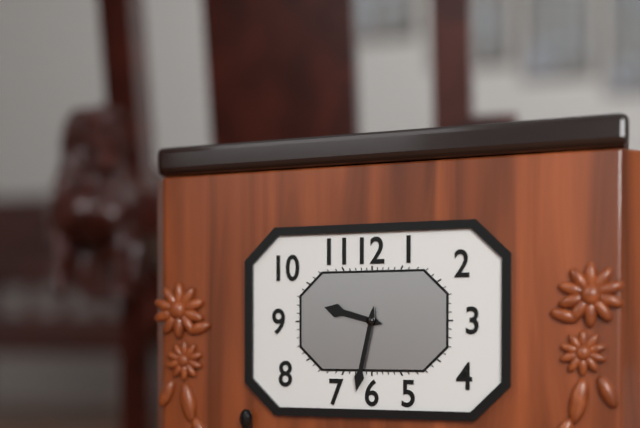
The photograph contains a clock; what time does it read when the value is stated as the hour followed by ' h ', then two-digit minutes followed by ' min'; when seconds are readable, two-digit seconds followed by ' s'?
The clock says 9 h 32 min
